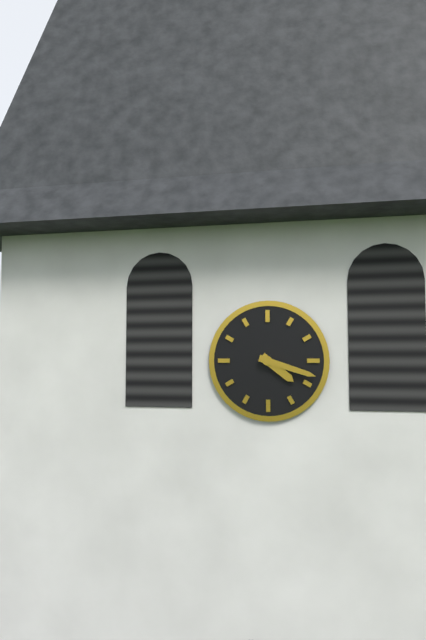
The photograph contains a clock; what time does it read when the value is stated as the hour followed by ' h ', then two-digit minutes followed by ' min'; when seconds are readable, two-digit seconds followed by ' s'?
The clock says 4 h 18 min
